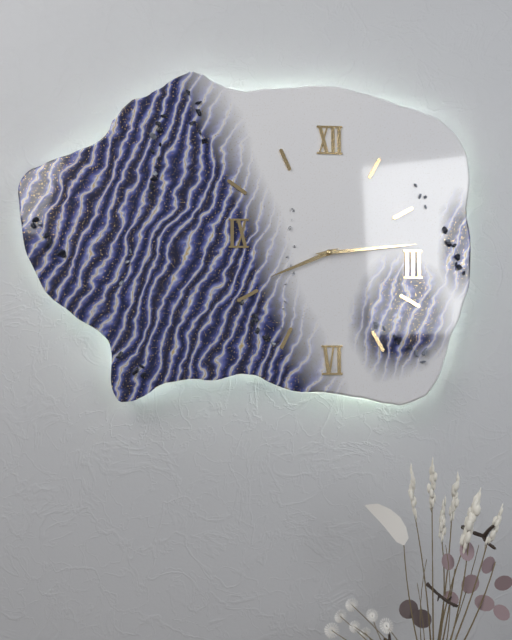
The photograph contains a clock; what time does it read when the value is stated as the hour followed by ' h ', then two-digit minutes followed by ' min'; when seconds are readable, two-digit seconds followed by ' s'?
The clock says 8 h 14 min
